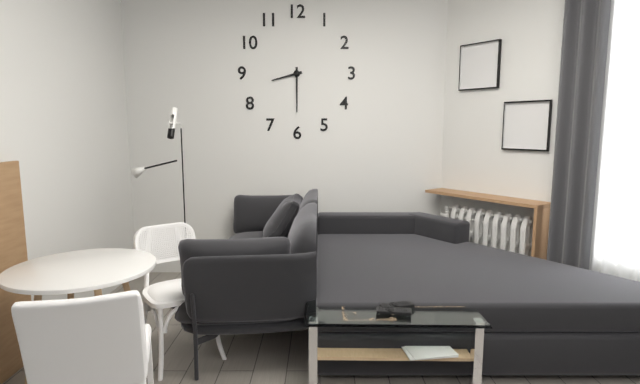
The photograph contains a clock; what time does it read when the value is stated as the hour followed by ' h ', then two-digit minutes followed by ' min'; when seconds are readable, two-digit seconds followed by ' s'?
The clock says 8 h 30 min
